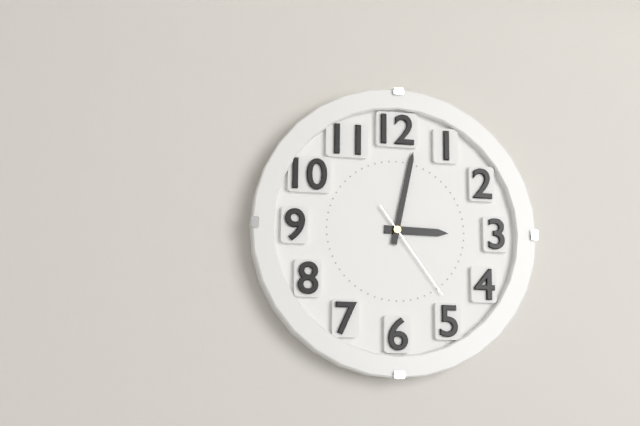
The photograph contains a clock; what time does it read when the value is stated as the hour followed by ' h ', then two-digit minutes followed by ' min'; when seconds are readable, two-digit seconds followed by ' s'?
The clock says 3 h 02 min 24 s
